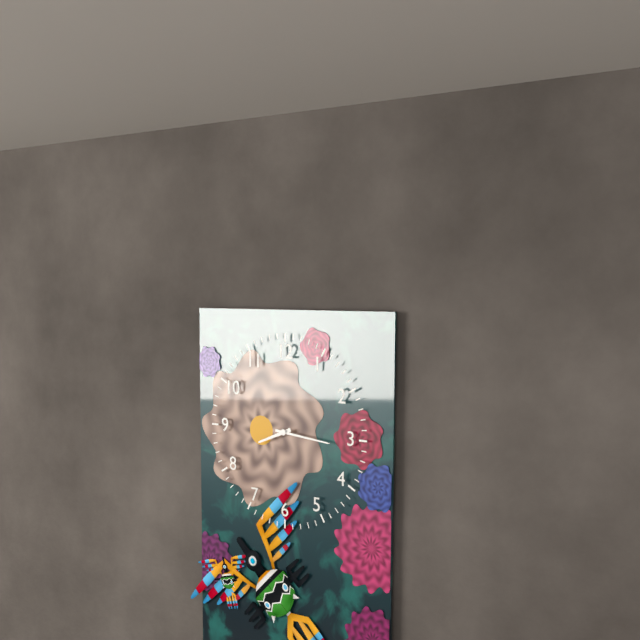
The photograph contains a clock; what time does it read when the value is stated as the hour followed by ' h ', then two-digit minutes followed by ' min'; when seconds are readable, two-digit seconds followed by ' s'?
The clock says 8 h 16 min
